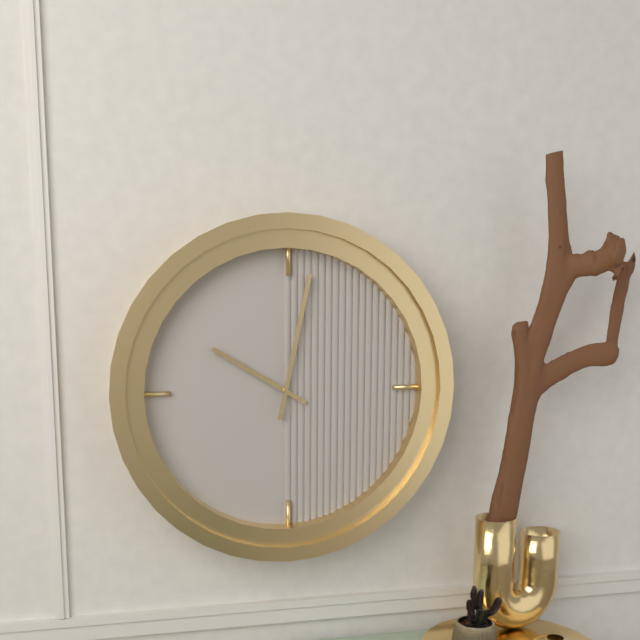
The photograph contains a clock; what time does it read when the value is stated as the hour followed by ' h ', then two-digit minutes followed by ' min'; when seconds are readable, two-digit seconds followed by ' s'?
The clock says 10 h 02 min
